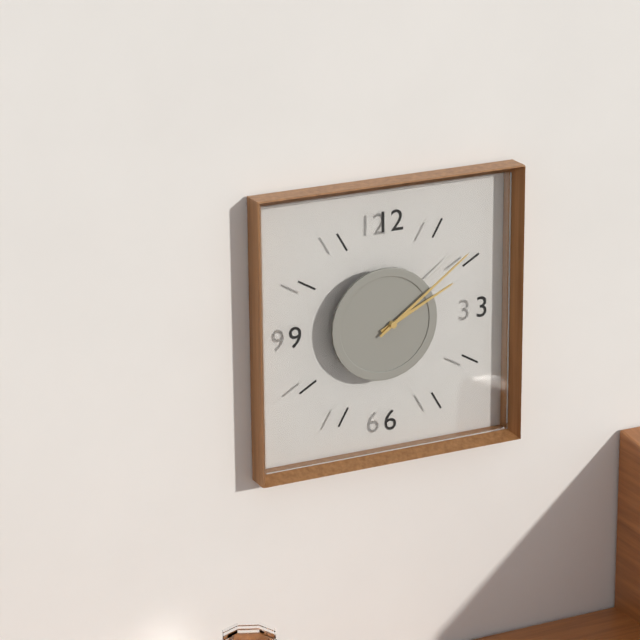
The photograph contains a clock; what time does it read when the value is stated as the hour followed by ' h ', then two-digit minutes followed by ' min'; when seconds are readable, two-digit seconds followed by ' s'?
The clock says 2 h 09 min
